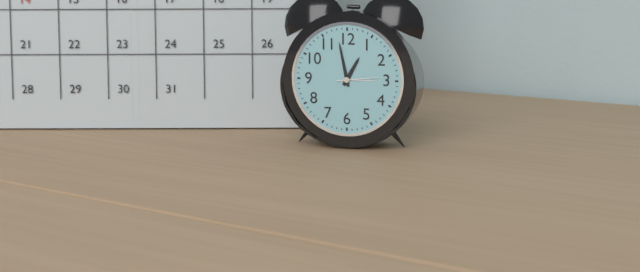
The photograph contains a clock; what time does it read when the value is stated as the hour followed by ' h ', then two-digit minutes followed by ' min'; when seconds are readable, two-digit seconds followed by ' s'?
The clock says 12 h 58 min
